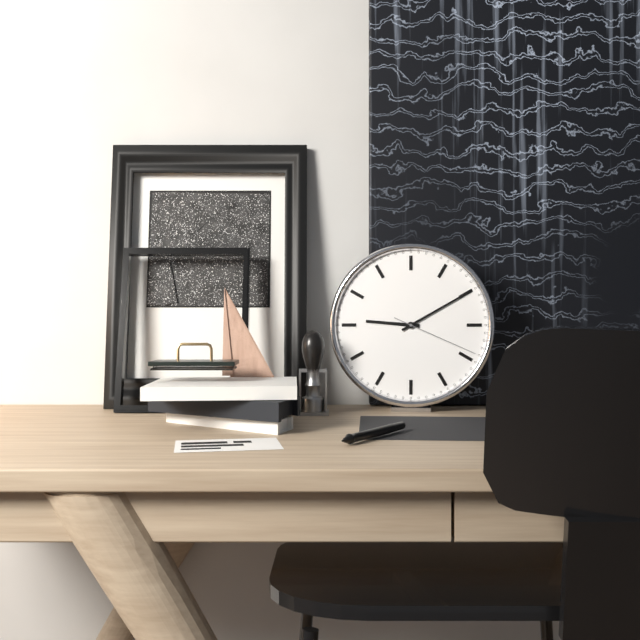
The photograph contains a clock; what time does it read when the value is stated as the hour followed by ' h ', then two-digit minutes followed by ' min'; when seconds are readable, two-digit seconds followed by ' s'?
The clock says 9 h 10 min 19 s
